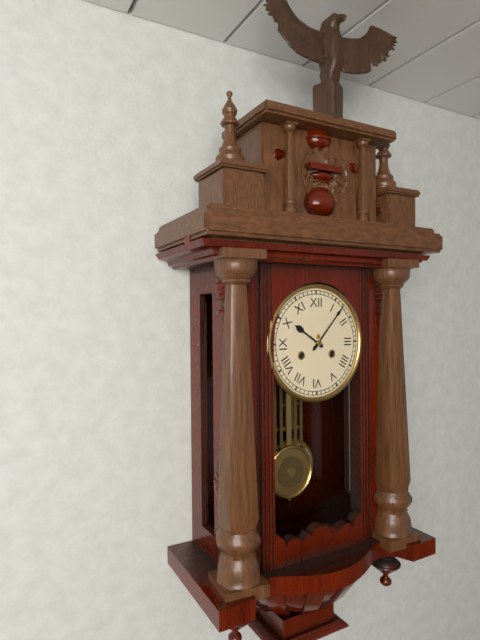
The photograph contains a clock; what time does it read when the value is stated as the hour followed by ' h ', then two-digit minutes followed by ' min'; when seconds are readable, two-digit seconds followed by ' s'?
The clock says 10 h 07 min
